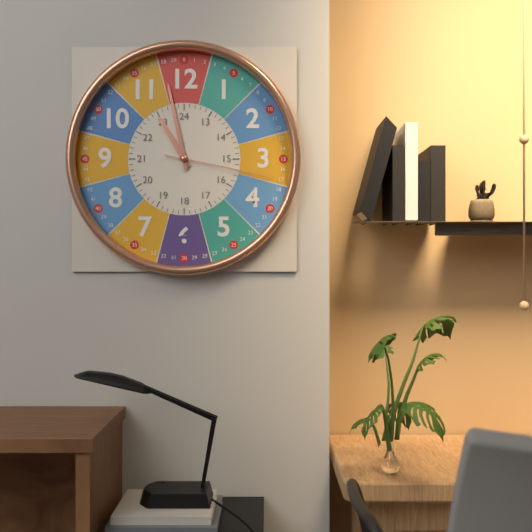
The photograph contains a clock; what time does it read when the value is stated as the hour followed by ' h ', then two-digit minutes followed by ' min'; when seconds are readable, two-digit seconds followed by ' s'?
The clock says 10 h 58 min 17 s
